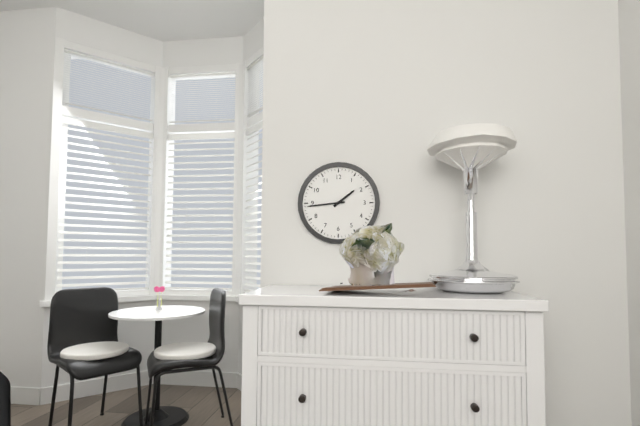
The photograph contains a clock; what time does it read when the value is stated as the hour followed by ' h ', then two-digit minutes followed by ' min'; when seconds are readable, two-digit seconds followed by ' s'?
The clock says 1 h 44 min
